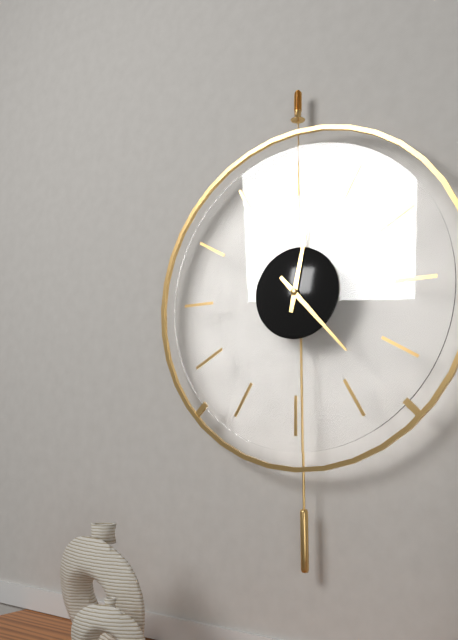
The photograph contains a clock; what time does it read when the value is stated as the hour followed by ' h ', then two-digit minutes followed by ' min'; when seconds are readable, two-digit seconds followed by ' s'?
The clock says 12 h 23 min
